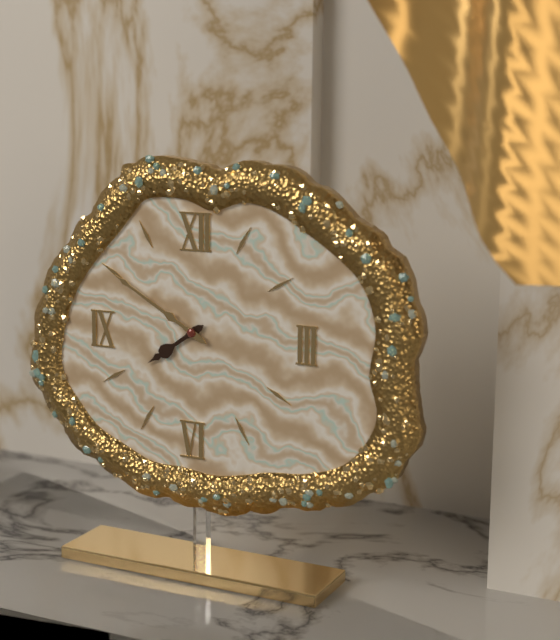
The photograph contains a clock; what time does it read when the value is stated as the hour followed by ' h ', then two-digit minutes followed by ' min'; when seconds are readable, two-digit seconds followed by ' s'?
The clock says 7 h 50 min
